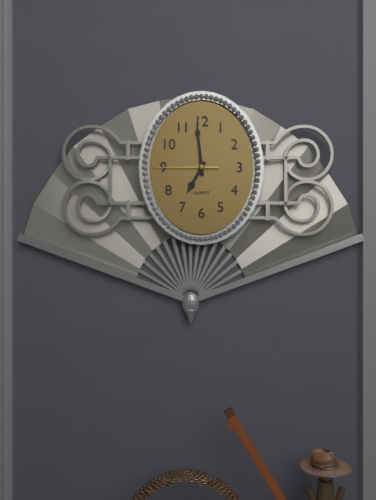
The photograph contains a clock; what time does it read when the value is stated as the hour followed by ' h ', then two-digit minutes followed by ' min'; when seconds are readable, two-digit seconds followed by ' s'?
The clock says 6 h 59 min 45 s
